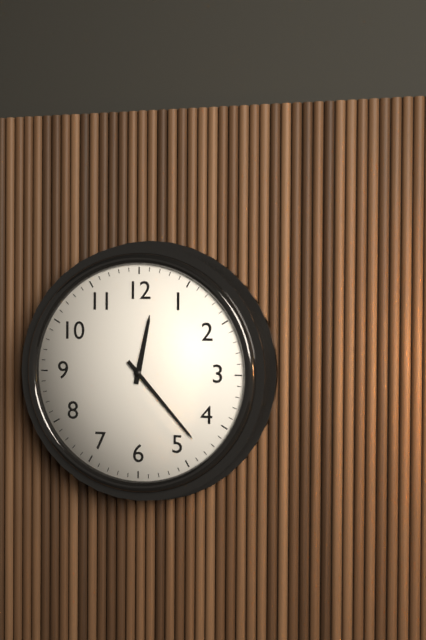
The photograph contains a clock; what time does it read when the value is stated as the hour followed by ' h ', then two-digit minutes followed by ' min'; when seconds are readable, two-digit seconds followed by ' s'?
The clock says 12 h 23 min
